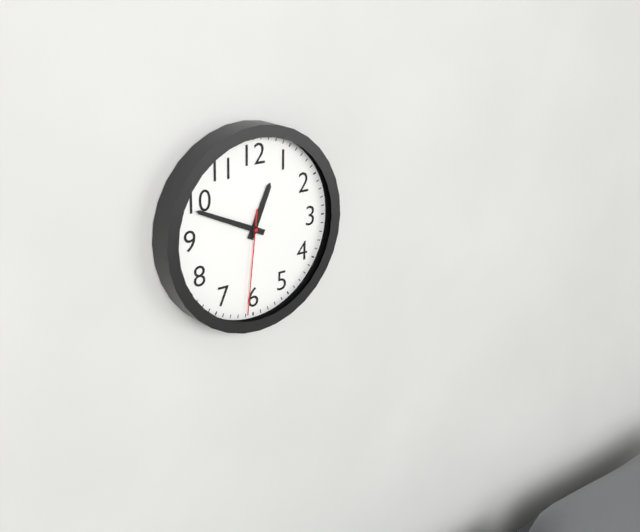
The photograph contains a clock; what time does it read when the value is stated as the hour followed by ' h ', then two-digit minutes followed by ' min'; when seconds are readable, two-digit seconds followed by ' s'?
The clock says 12 h 49 min 31 s
